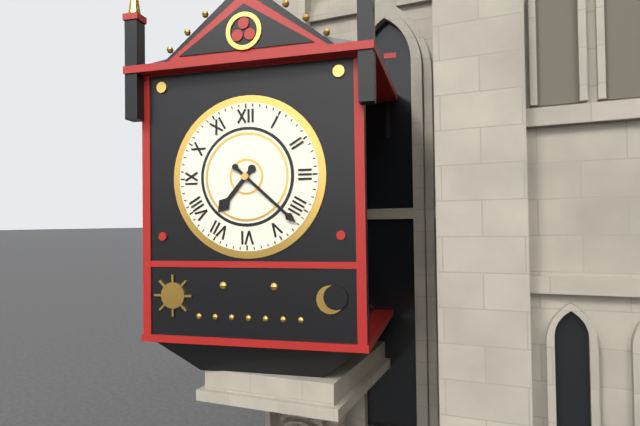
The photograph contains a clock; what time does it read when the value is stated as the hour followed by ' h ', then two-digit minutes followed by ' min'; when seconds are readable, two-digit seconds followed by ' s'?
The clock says 7 h 22 min
